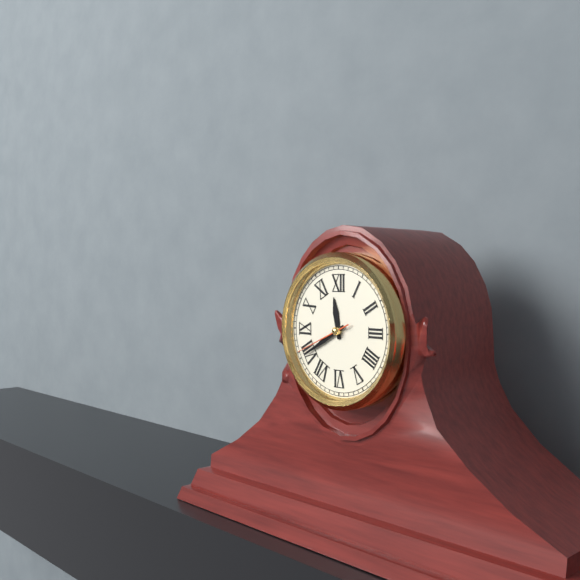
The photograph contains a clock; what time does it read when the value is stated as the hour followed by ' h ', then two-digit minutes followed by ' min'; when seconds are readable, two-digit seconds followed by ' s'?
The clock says 11 h 40 min 41 s
